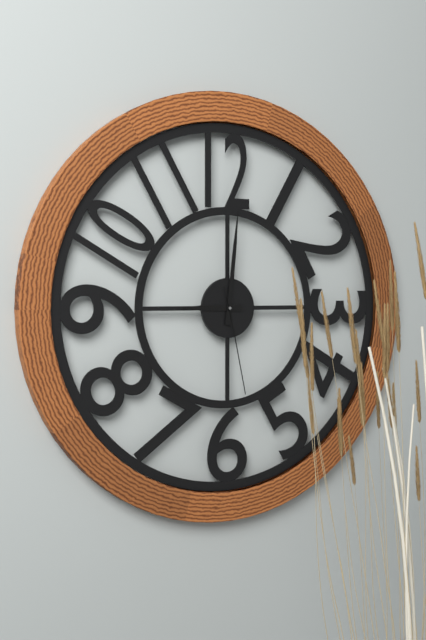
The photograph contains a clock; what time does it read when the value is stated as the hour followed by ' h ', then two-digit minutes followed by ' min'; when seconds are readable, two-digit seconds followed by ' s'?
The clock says 9 h 01 min 28 s
